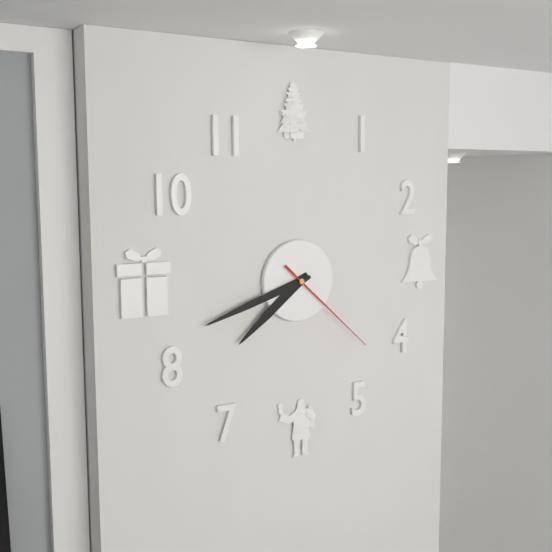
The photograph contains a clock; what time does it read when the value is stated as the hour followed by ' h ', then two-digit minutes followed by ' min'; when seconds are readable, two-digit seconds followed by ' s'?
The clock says 7 h 42 min 22 s
